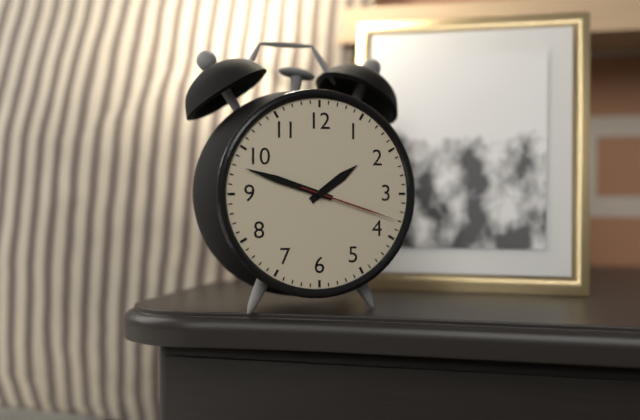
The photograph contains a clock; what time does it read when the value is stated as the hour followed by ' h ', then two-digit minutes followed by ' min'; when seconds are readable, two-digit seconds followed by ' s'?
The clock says 1 h 48 min 18 s
